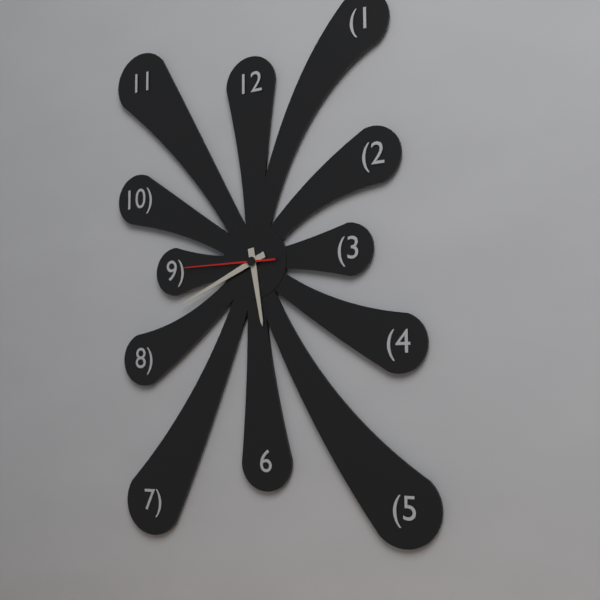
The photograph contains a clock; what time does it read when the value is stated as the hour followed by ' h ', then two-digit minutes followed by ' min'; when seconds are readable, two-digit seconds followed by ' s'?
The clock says 5 h 41 min 45 s
